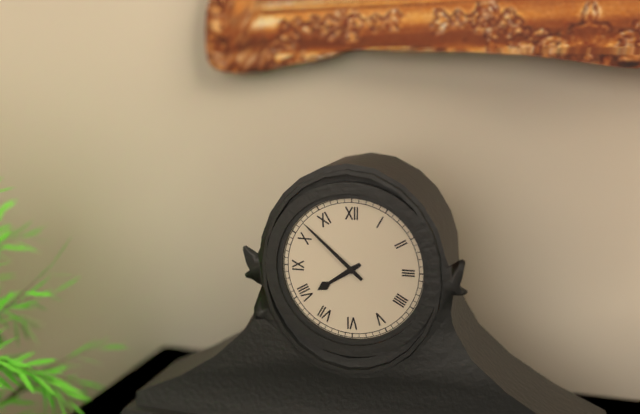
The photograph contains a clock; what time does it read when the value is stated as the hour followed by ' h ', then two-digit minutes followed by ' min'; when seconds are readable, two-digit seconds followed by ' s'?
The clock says 7 h 52 min
